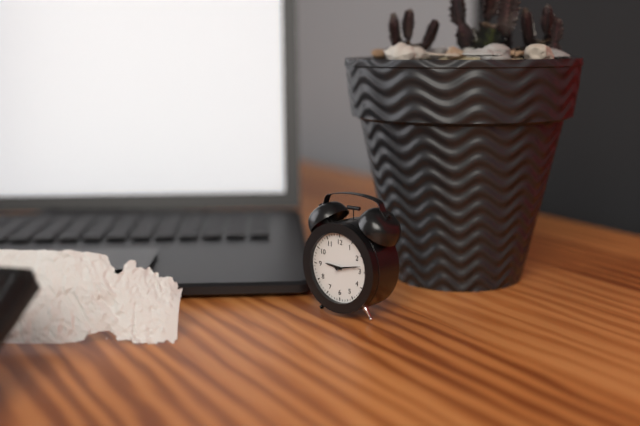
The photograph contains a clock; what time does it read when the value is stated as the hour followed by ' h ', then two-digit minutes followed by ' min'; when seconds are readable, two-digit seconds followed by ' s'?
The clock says 9 h 13 min
